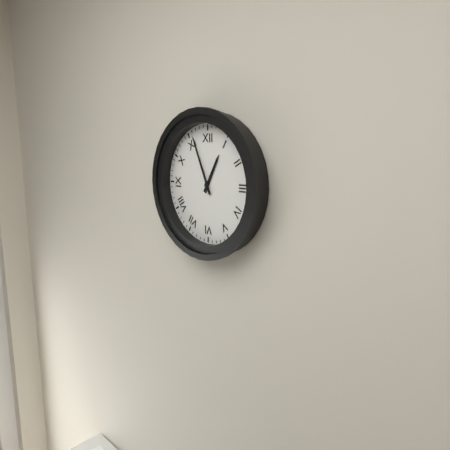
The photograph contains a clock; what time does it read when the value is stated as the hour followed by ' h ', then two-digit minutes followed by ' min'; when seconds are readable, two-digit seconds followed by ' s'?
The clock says 12 h 56 min
